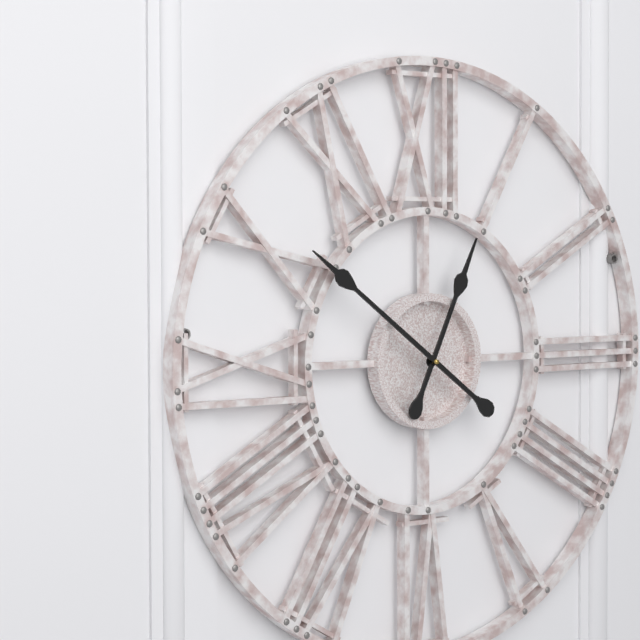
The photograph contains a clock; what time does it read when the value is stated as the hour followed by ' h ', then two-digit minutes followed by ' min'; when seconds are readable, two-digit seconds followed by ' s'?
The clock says 12 h 51 min
